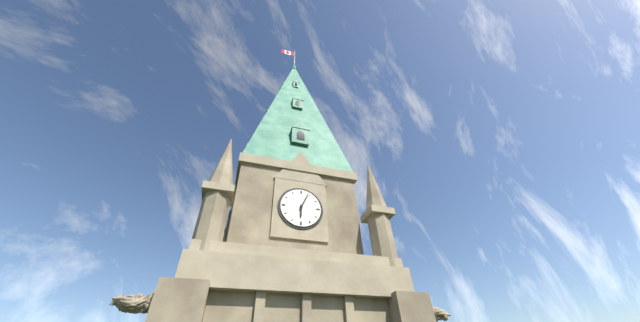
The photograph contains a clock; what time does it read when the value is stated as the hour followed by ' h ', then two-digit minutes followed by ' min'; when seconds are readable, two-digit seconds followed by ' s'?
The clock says 6 h 04 min
